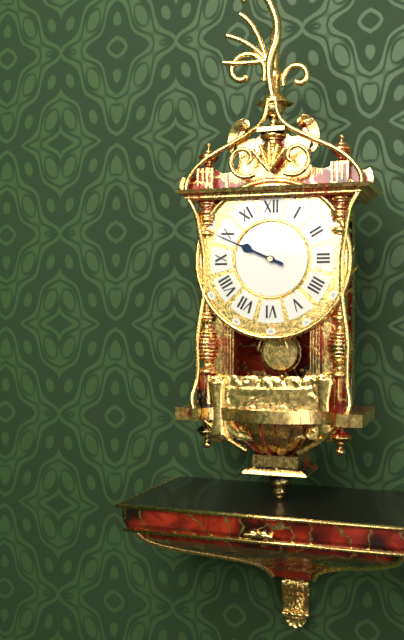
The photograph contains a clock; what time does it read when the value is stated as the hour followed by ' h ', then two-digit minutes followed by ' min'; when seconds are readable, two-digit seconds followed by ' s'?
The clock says 9 h 49 min
